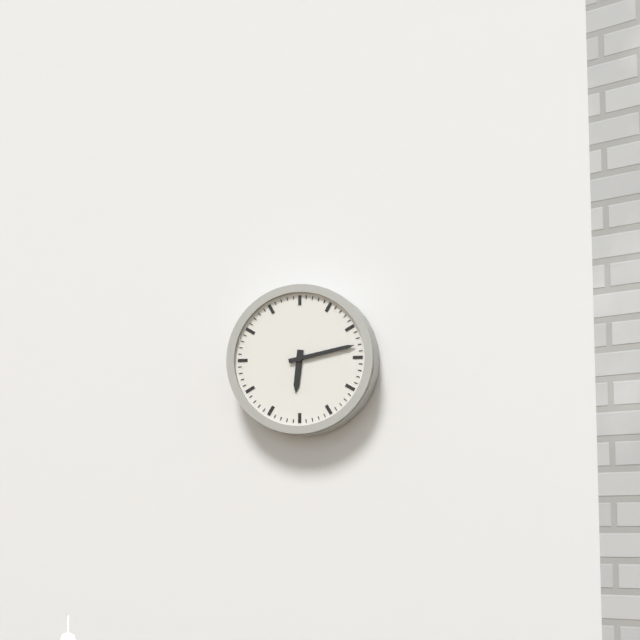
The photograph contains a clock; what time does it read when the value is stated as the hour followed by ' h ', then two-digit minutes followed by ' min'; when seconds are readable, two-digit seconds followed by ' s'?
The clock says 6 h 13 min
